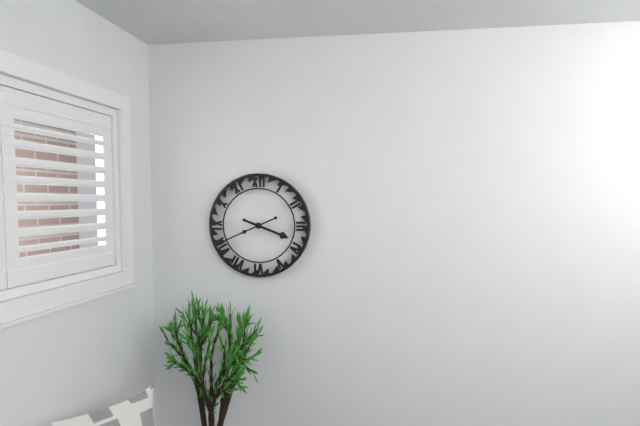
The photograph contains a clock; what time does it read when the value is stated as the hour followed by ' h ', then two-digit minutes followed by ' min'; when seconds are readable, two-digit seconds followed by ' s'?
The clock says 3 h 41 min
